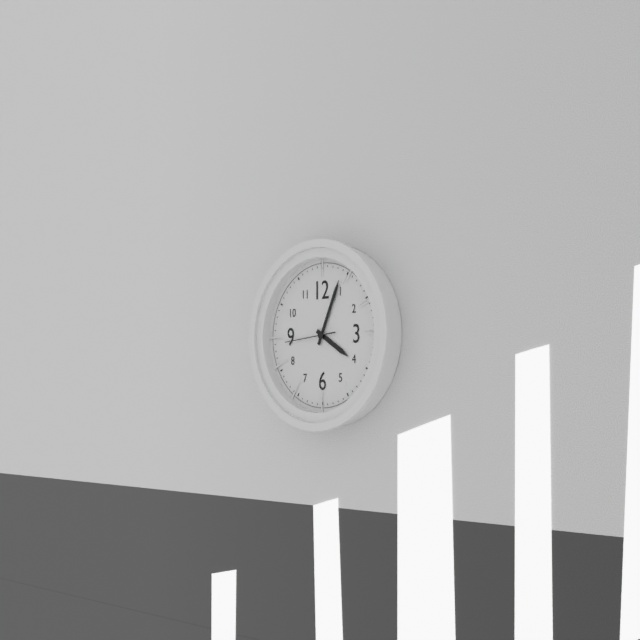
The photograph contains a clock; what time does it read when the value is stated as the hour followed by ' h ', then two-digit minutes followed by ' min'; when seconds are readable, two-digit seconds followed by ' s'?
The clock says 4 h 04 min
